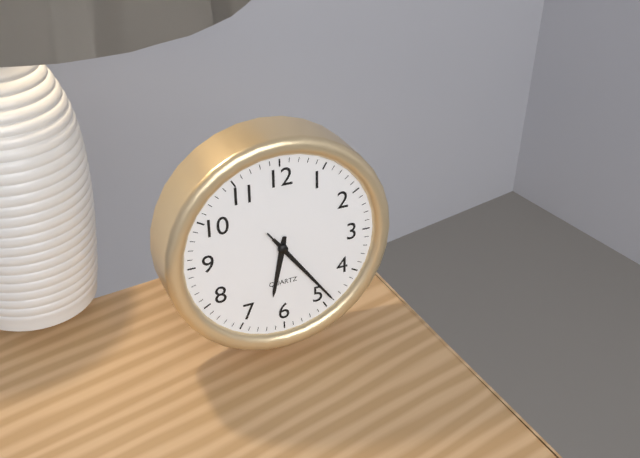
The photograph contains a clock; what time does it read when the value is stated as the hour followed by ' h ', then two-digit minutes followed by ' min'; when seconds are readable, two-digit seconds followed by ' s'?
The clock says 6 h 24 min 24 s
